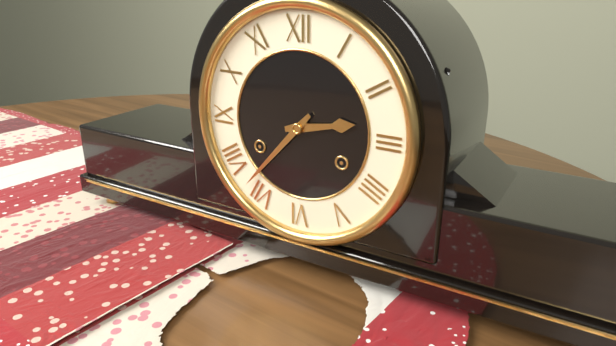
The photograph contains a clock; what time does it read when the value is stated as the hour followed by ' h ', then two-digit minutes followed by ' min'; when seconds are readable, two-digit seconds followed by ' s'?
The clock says 2 h 37 min
